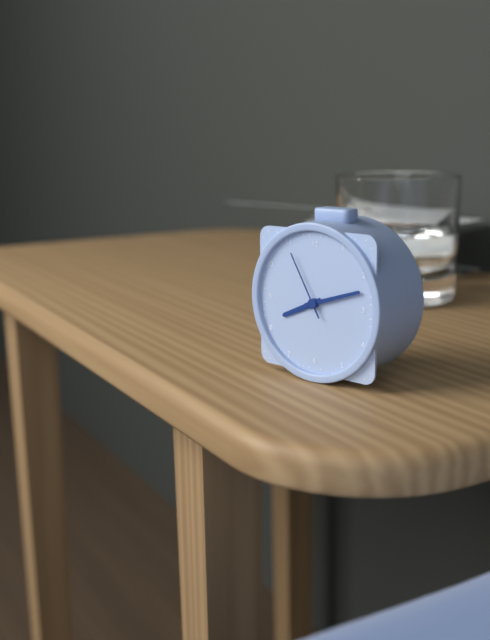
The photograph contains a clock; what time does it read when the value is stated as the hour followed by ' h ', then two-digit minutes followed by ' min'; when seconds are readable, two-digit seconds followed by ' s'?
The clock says 8 h 12 min 55 s
